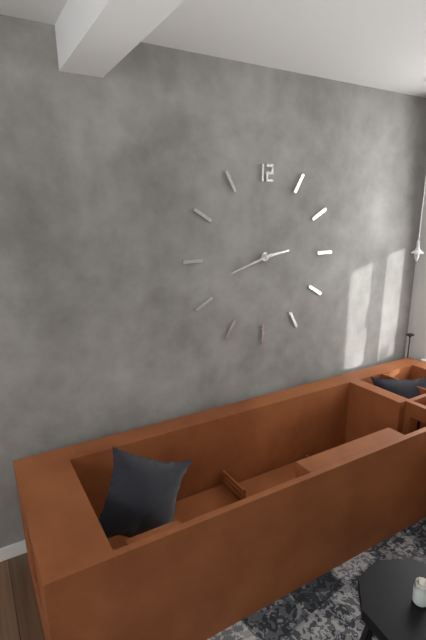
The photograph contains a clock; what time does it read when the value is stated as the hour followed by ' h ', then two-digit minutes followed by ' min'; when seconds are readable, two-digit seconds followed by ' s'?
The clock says 2 h 42 min
